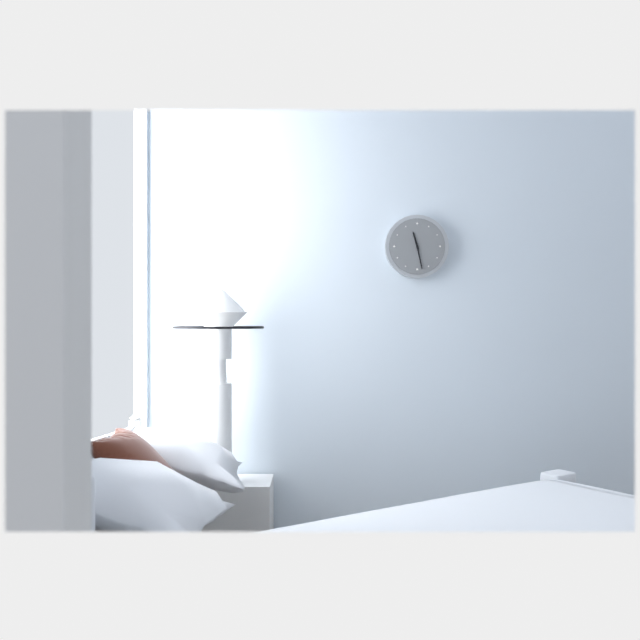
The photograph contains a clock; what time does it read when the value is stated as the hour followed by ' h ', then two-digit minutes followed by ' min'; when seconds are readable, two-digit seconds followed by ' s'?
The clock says 11 h 28 min
